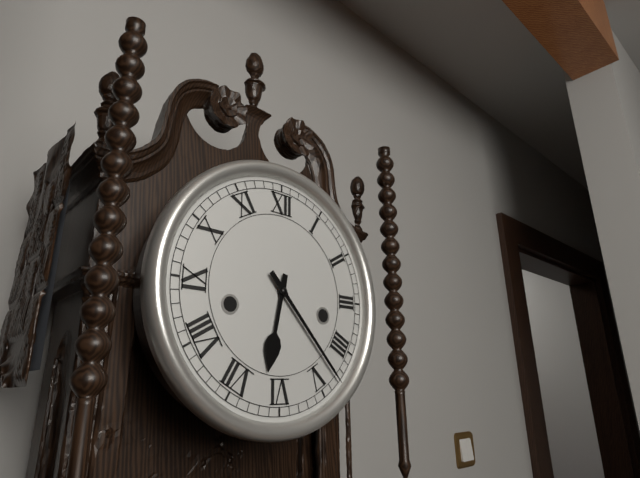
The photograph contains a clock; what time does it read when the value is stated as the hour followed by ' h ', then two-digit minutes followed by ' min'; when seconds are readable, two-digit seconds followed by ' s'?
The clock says 6 h 23 min
